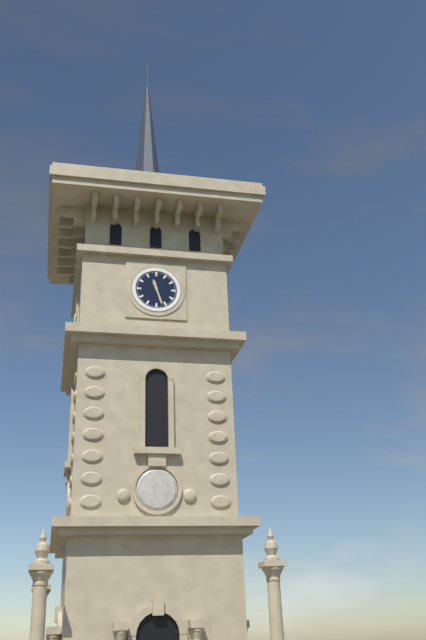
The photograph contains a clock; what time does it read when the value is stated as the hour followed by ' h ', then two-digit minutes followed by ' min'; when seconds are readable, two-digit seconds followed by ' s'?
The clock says 11 h 27 min
